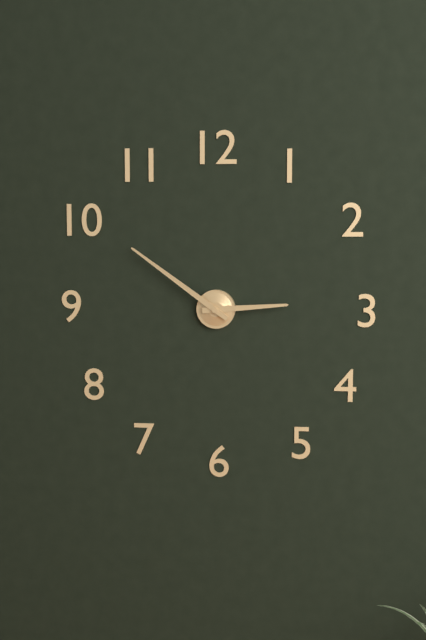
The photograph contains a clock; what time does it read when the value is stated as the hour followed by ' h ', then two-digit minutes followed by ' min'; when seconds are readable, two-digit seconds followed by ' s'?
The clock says 2 h 51 min
